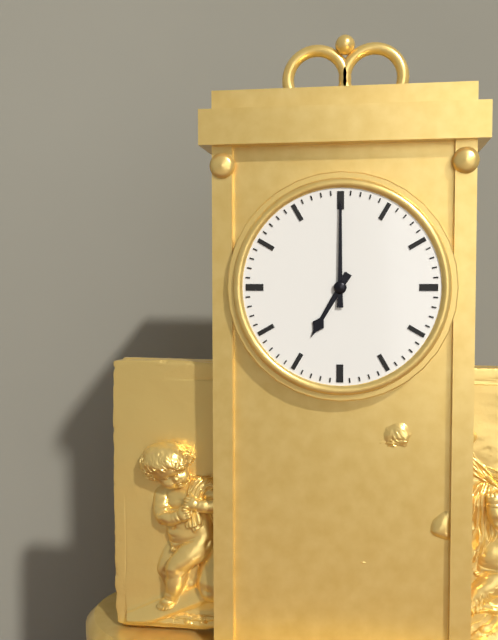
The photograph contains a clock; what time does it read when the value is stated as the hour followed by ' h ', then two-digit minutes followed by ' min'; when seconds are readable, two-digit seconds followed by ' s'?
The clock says 7 h 00 min
